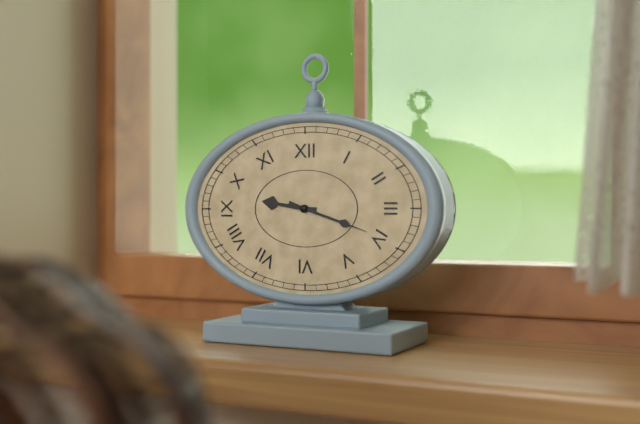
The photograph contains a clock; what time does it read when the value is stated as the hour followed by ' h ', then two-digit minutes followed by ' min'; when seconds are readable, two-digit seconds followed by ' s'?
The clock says 9 h 18 min
